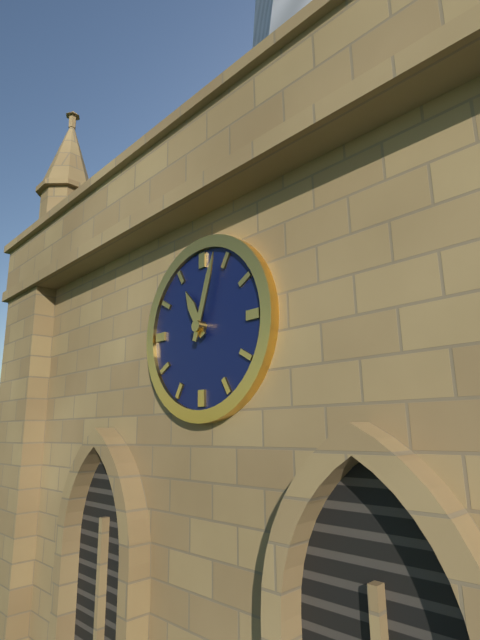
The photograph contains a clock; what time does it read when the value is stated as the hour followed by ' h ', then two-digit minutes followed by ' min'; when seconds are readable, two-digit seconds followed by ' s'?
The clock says 11 h 03 min
